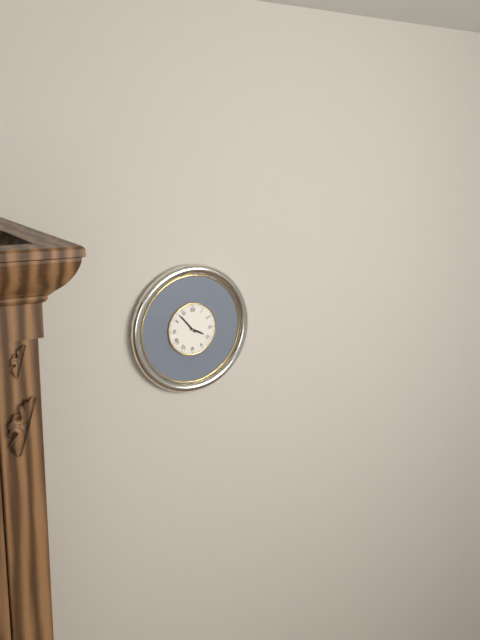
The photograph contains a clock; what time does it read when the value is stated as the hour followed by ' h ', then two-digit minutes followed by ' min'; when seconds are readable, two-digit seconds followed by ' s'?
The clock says 3 h 53 min
